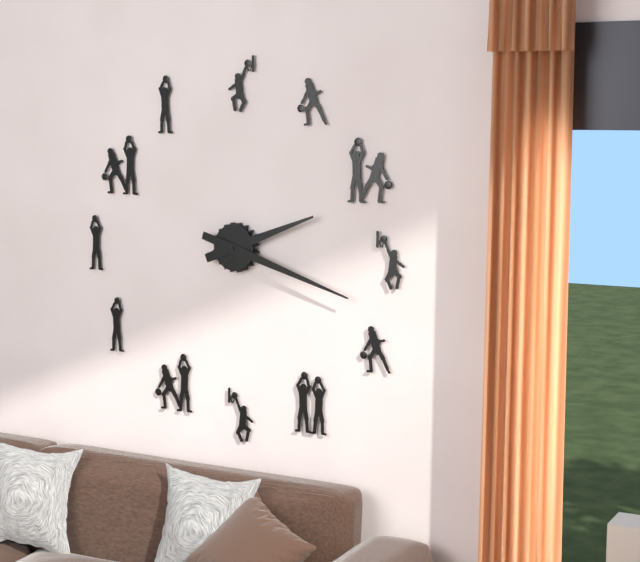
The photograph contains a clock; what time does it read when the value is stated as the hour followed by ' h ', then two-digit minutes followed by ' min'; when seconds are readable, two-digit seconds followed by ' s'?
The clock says 2 h 18 min
